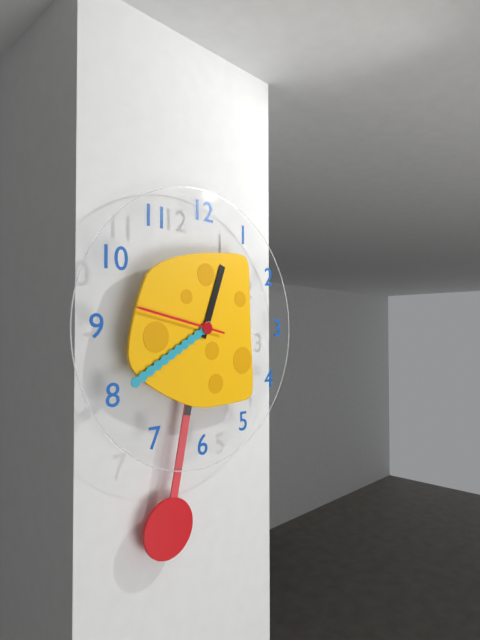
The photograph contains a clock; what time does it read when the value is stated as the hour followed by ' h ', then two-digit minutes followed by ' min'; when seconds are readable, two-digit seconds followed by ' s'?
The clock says 12 h 40 min 47 s
